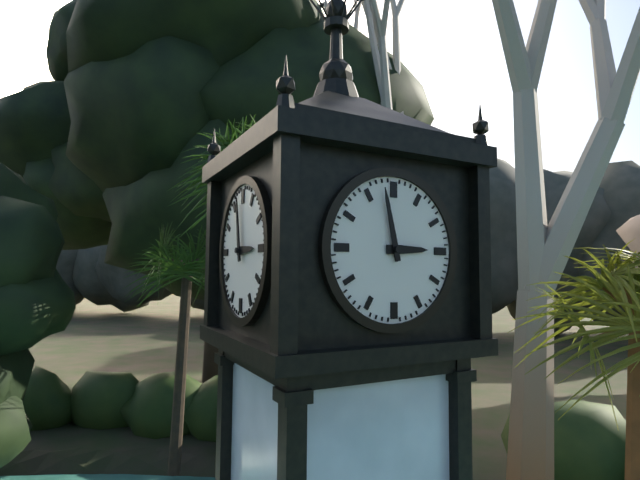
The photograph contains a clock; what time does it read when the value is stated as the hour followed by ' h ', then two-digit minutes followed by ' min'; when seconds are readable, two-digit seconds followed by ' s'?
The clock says 2 h 58 min
